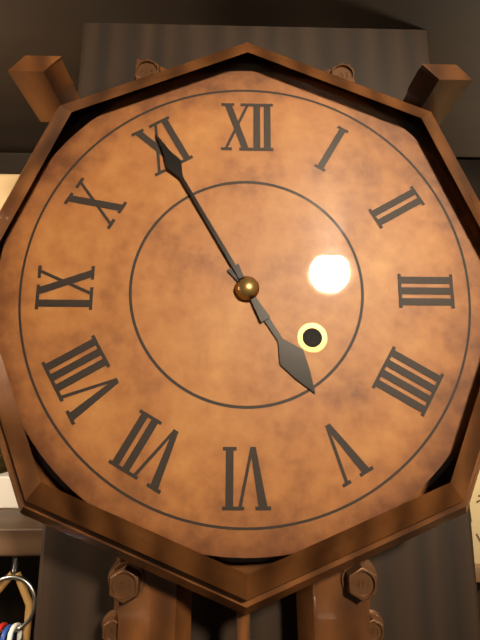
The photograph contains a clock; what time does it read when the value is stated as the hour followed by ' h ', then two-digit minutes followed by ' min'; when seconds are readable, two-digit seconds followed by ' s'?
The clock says 4 h 55 min
